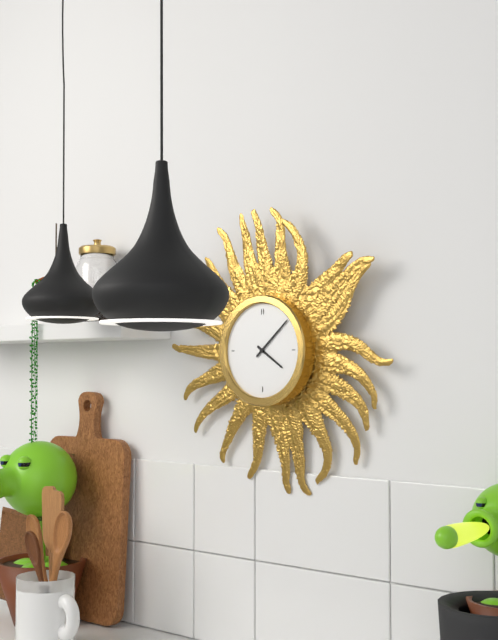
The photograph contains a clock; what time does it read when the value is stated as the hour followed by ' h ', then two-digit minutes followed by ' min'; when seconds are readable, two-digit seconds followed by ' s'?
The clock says 4 h 08 min
